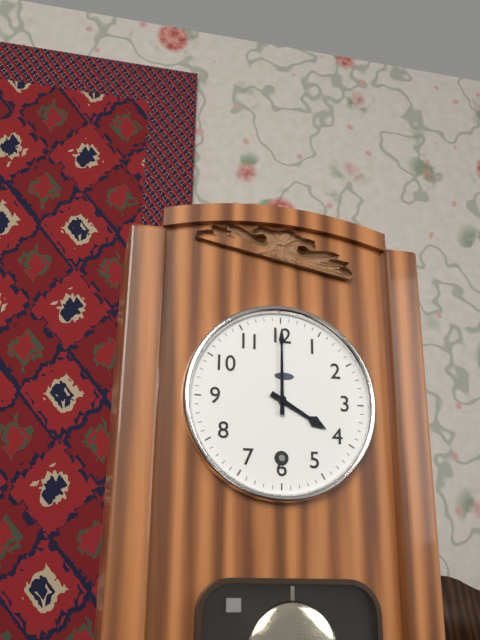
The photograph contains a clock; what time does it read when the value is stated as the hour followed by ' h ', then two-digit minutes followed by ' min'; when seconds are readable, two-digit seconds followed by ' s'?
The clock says 4 h 00 min
